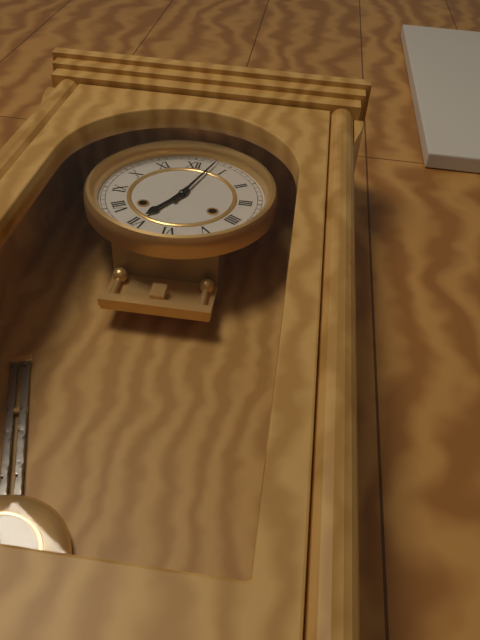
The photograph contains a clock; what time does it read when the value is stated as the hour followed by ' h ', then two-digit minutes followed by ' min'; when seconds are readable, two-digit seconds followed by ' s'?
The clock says 7 h 03 min
